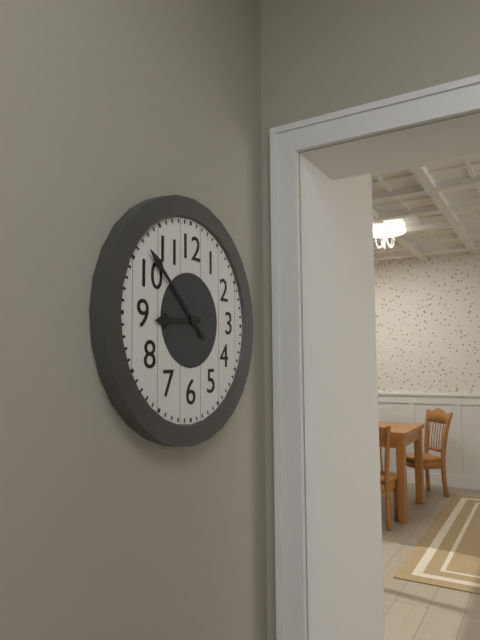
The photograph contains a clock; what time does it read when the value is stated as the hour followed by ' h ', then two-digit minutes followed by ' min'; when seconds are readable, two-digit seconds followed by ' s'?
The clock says 8 h 52 min
